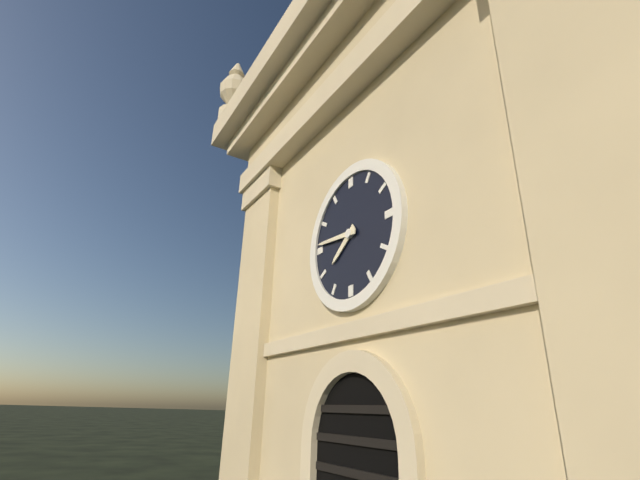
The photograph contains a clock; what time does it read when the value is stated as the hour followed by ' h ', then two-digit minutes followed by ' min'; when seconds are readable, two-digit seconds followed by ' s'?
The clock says 7 h 46 min
